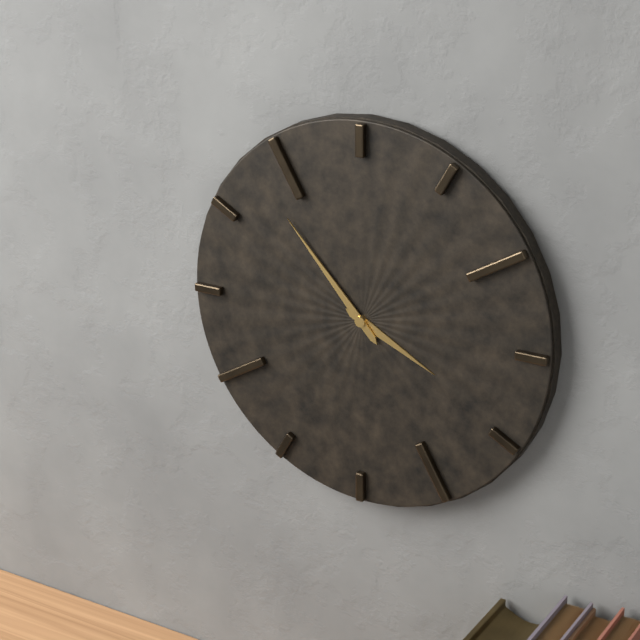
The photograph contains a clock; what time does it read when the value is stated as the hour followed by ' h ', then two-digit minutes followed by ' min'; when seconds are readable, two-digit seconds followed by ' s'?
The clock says 3 h 53 min
